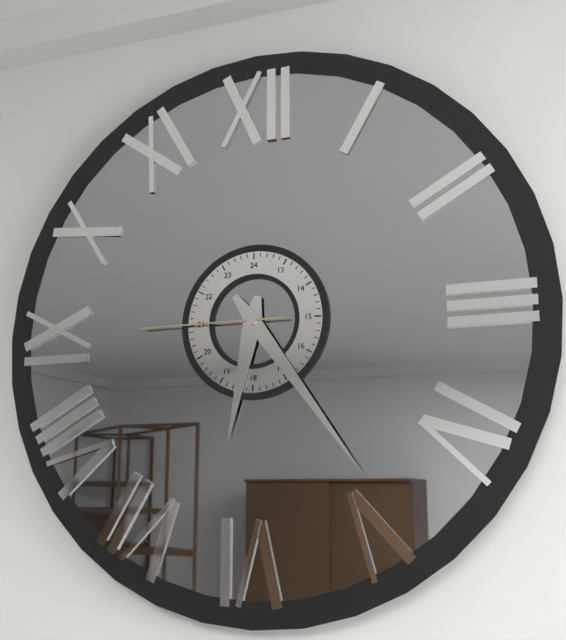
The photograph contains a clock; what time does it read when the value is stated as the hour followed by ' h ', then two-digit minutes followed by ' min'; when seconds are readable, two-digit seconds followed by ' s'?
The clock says 6 h 24 min 45 s
